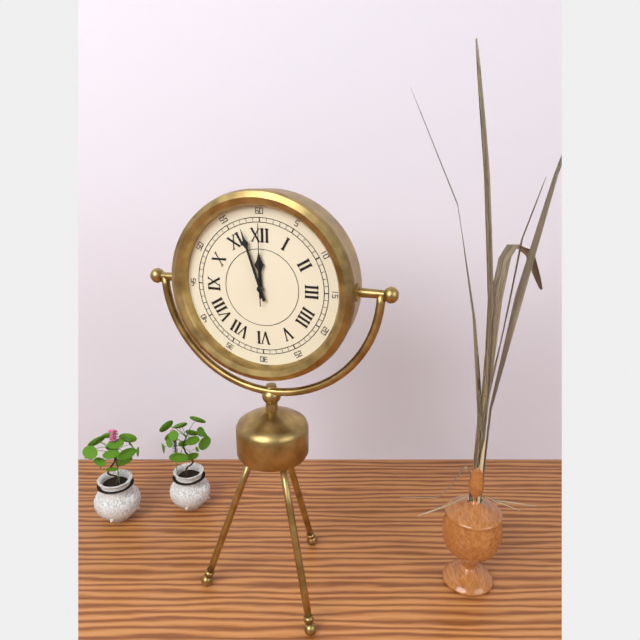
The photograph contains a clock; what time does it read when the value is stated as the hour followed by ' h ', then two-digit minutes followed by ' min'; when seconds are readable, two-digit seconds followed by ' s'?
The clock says 11 h 57 min 00 s
